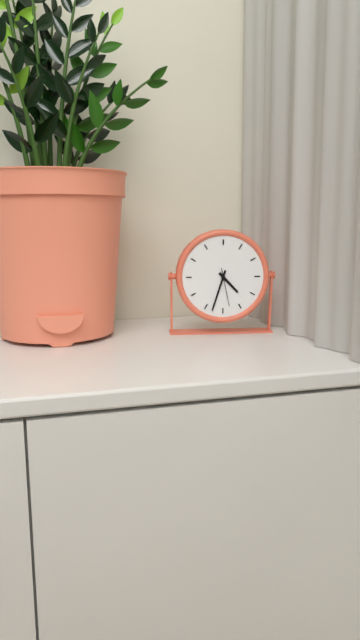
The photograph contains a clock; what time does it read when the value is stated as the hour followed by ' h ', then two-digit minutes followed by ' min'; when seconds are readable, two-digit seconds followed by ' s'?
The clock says 4 h 33 min
